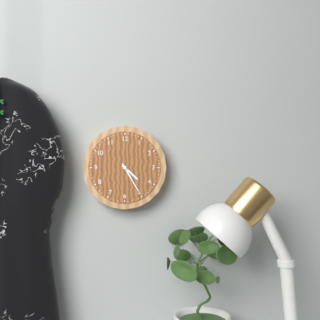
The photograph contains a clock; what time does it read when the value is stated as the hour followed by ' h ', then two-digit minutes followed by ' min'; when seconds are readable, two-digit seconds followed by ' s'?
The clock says 4 h 25 min
